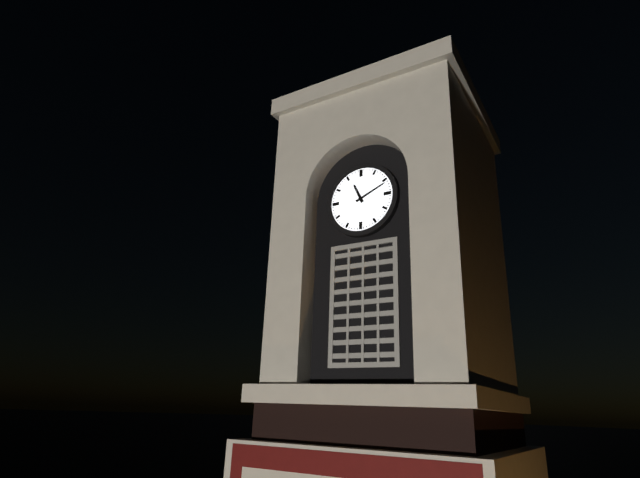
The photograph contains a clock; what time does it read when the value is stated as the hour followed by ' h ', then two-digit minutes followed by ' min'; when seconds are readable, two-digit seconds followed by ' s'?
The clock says 11 h 11 min
